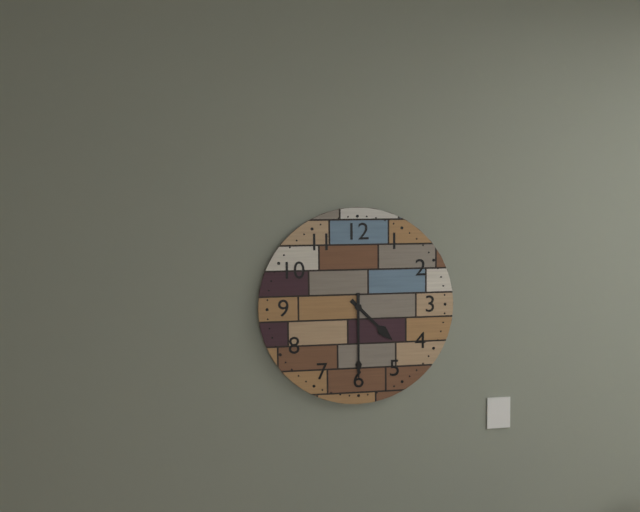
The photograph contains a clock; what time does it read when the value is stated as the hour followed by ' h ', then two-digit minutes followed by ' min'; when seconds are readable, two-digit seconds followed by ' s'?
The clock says 4 h 30 min
